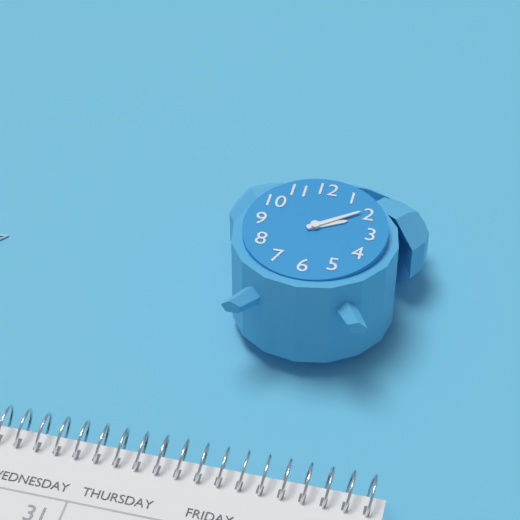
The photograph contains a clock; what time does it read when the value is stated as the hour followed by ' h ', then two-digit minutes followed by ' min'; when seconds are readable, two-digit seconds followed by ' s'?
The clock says 2 h 09 min
